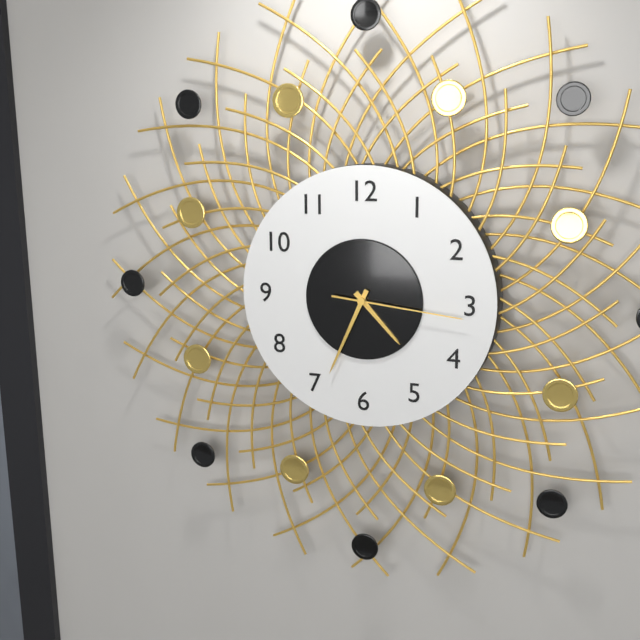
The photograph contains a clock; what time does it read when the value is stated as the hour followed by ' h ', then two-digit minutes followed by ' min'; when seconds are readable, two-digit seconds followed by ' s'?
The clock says 4 h 34 min 16 s
